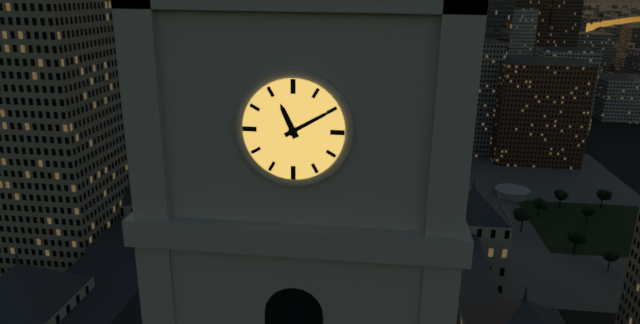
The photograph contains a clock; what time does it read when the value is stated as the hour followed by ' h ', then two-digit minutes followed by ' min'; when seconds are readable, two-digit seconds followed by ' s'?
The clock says 11 h 10 min
